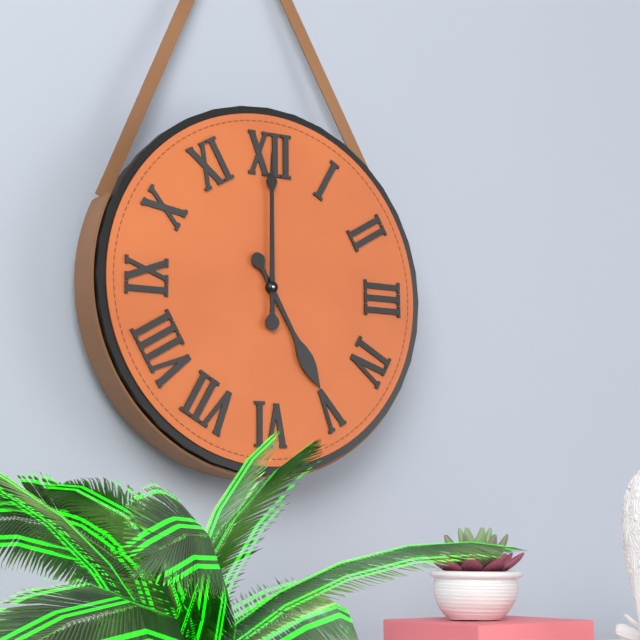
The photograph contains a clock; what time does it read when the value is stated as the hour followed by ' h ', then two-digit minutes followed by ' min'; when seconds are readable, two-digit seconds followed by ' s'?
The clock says 5 h 00 min
